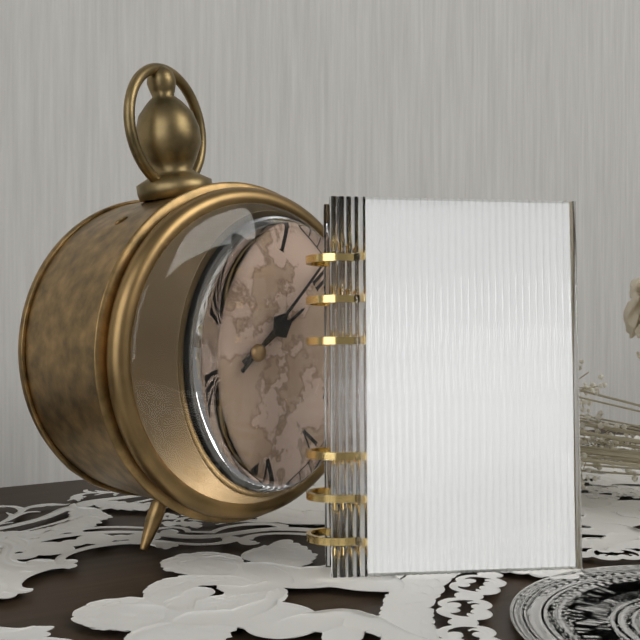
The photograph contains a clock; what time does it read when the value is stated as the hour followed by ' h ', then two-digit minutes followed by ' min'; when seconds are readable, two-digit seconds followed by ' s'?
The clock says 2 h 09 min
